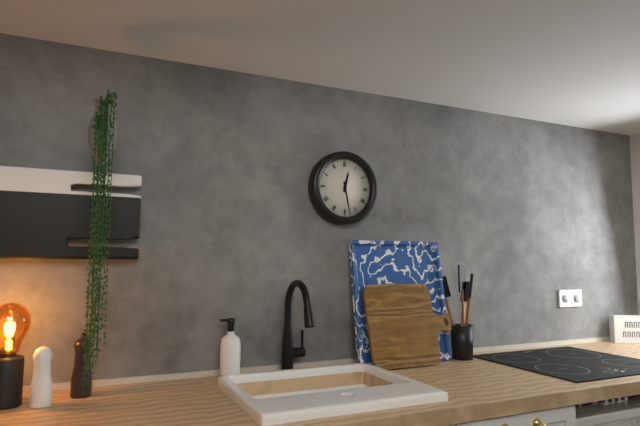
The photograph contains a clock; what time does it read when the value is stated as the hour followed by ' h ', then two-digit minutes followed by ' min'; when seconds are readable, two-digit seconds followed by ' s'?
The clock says 12 h 28 min
